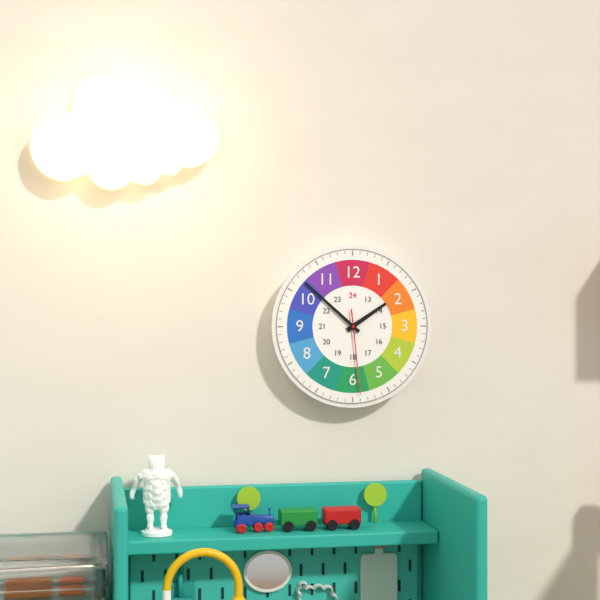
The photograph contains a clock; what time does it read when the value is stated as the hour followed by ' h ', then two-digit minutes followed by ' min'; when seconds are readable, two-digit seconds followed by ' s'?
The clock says 1 h 52 min 29 s
